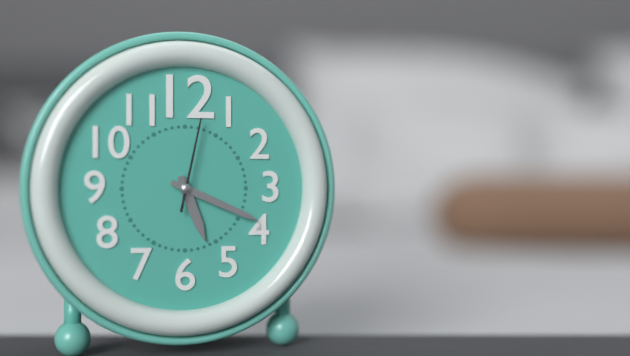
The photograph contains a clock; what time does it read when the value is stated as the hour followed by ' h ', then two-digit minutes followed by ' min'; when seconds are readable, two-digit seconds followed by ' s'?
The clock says 5 h 19 min 02 s
